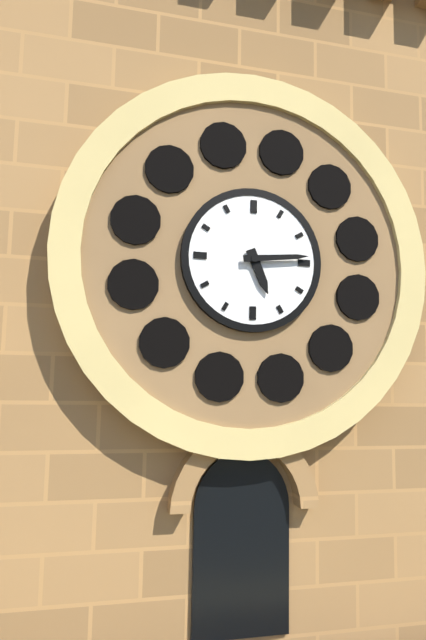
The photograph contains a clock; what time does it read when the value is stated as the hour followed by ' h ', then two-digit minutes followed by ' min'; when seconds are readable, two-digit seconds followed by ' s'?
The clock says 5 h 14 min
